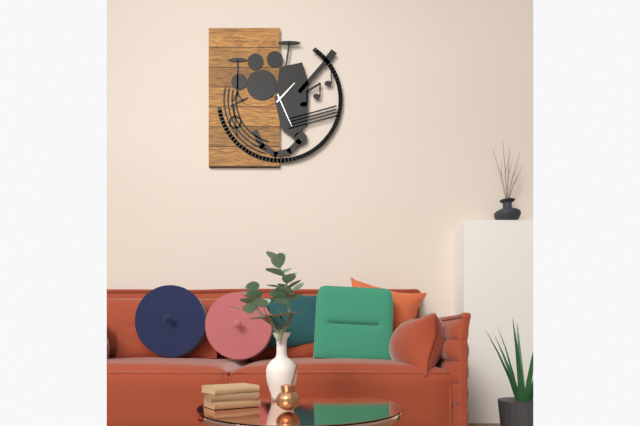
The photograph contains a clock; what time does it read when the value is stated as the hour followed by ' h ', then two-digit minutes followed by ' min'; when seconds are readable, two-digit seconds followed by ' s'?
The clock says 1 h 26 min
